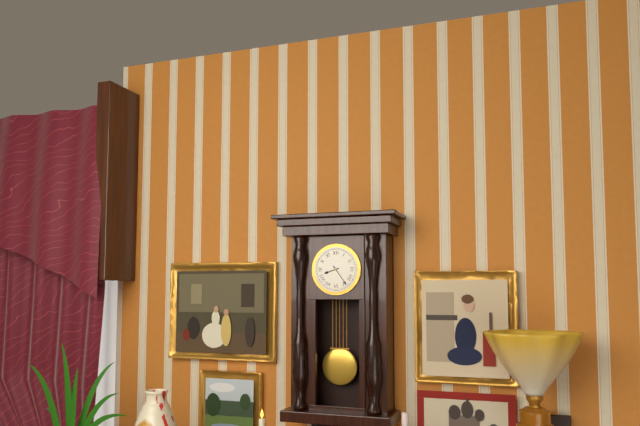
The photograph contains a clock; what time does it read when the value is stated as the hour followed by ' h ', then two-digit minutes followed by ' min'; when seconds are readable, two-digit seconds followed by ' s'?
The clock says 8 h 24 min
